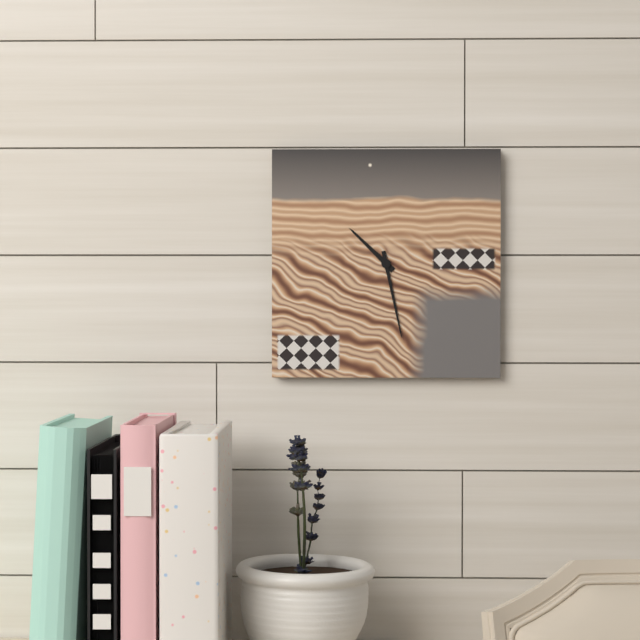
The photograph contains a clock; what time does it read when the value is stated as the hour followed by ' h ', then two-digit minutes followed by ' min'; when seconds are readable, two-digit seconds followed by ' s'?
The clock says 10 h 28 min
